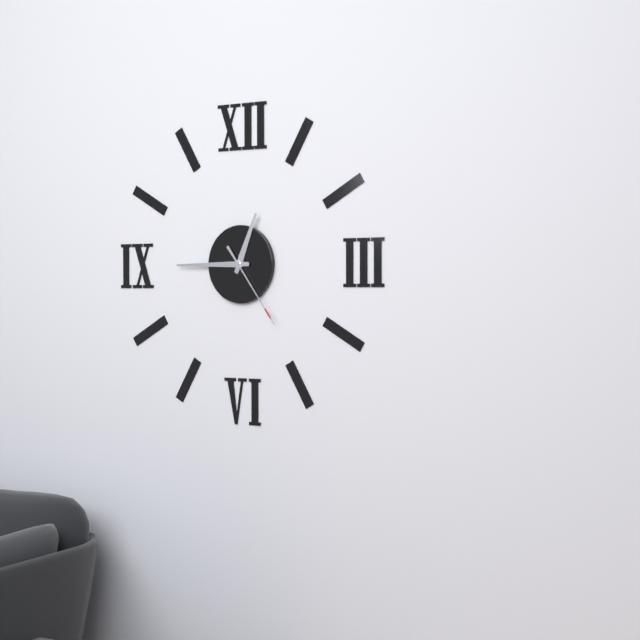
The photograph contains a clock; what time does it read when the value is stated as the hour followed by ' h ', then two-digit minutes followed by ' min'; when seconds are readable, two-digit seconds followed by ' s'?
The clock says 12 h 45 min 24 s
